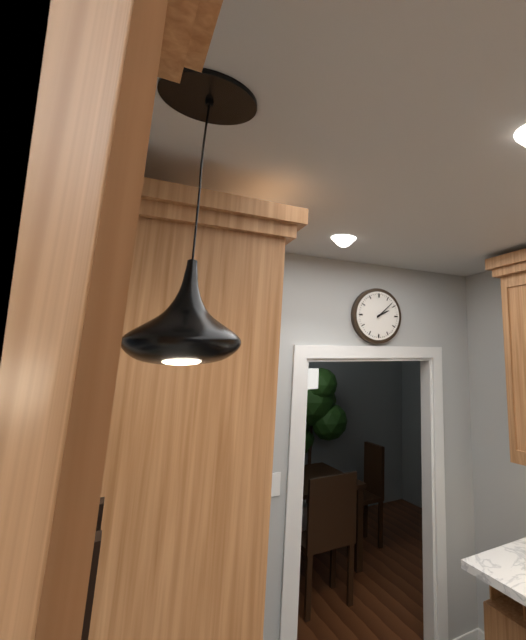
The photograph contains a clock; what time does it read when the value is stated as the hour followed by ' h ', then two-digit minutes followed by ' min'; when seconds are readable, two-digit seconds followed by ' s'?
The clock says 2 h 08 min
